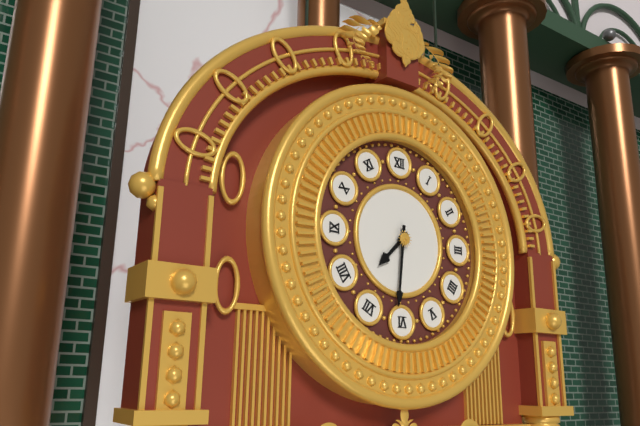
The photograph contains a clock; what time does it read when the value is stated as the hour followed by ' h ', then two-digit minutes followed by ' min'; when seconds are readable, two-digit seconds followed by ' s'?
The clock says 7 h 31 min
